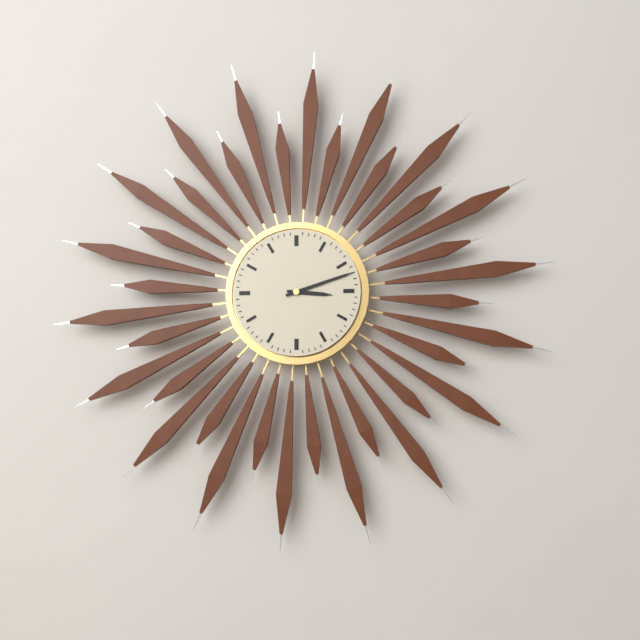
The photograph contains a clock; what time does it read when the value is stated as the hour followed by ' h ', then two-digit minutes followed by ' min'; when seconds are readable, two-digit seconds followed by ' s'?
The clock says 3 h 12 min
